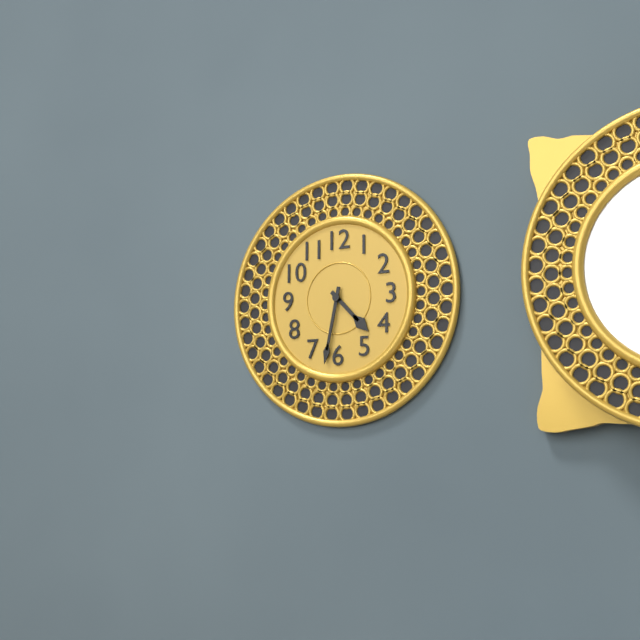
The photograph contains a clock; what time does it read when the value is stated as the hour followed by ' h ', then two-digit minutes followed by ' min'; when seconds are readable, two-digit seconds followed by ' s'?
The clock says 4 h 32 min
